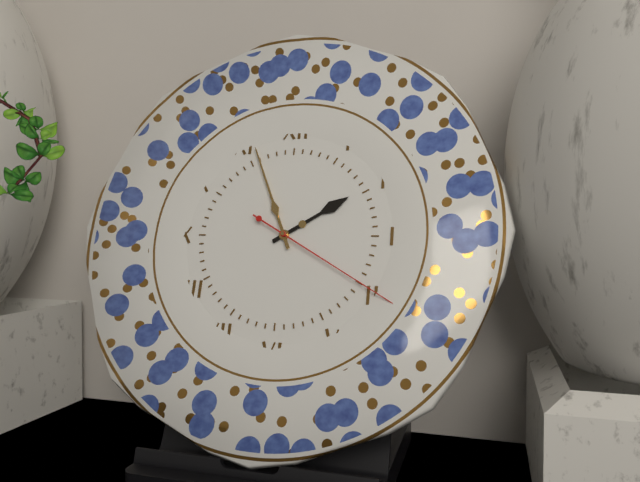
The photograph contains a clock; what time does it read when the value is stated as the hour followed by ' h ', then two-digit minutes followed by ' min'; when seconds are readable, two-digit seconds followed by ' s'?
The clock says 1 h 56 min 20 s
